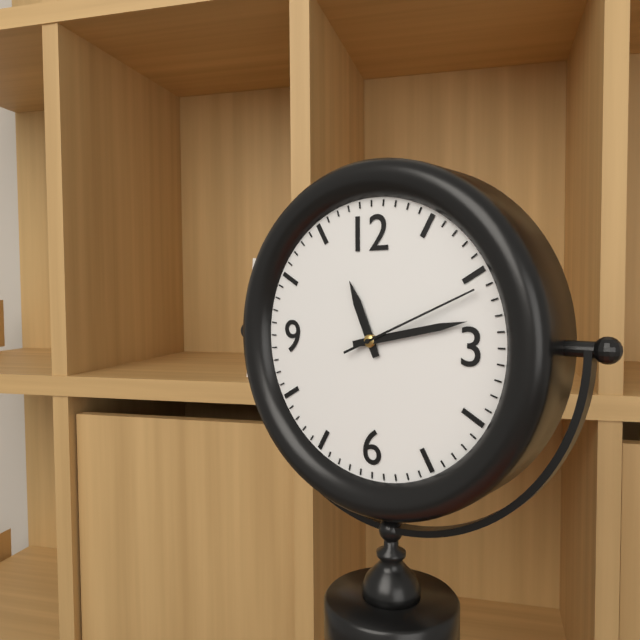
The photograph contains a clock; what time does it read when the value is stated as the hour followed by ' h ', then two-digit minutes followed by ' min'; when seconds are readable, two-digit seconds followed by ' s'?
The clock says 11 h 13 min 11 s
